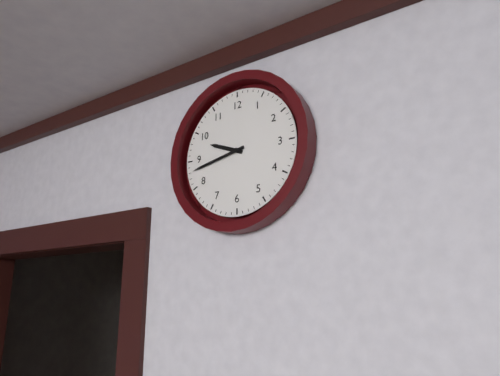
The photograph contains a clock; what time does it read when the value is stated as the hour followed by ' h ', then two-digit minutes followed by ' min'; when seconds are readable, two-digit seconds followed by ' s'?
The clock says 9 h 43 min
